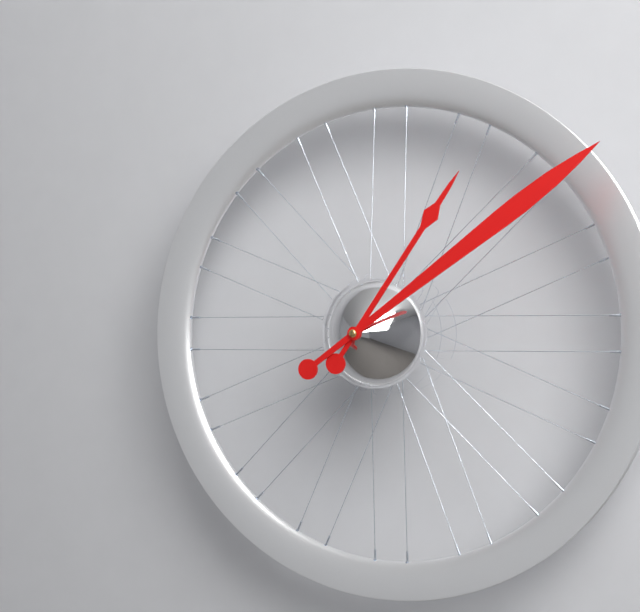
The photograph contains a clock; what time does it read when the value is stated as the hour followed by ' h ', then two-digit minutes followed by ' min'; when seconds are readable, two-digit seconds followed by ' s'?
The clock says 1 h 09 min
